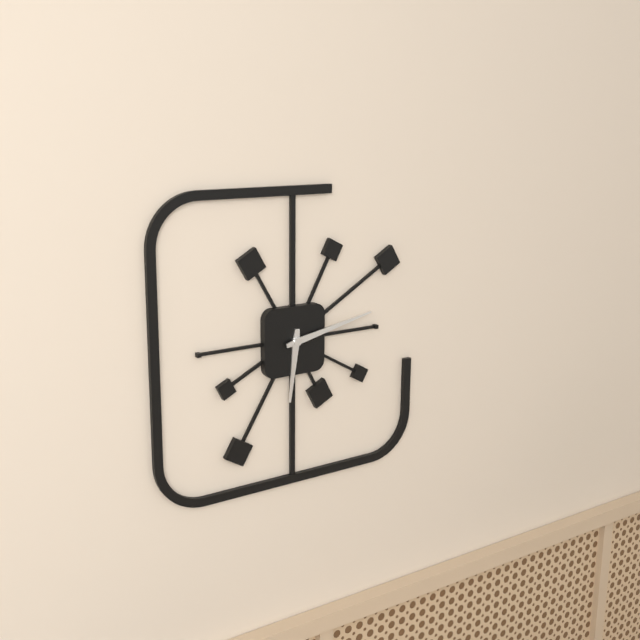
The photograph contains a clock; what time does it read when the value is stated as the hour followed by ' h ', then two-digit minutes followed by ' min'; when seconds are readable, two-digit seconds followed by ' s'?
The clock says 6 h 13 min
